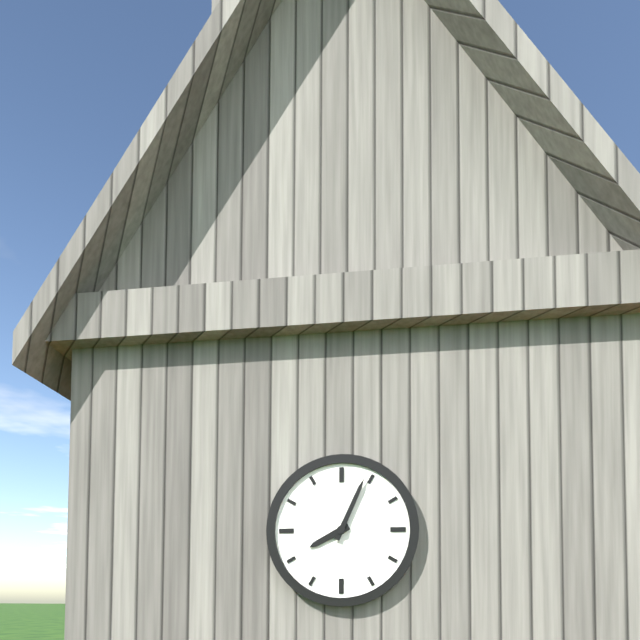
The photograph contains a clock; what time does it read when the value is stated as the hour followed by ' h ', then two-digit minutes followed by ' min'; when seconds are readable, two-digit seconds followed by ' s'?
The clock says 8 h 04 min
